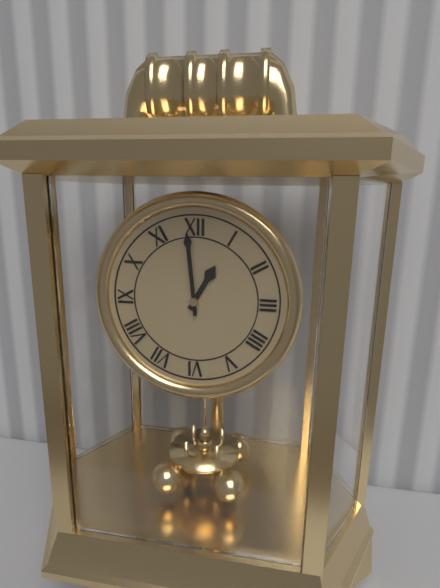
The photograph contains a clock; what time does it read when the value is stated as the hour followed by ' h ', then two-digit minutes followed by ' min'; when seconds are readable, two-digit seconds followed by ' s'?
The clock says 12 h 59 min
